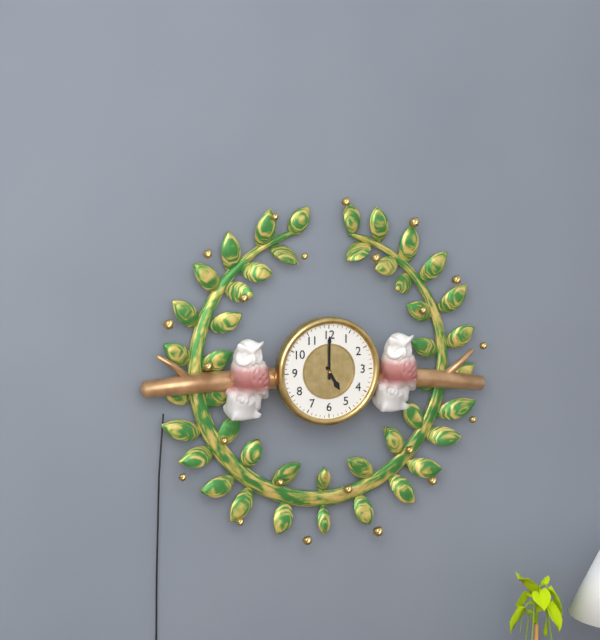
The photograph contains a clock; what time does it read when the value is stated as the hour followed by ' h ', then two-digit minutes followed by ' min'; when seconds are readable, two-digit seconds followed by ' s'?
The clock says 5 h 00 min
